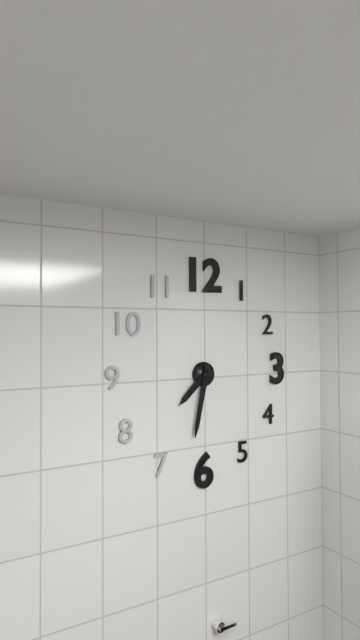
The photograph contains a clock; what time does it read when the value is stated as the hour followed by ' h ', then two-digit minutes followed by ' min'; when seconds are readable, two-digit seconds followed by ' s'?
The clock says 7 h 32 min
